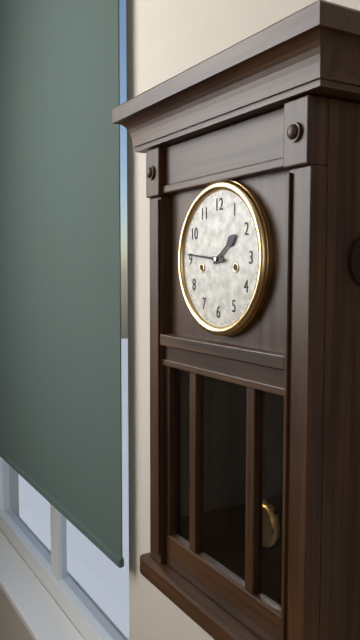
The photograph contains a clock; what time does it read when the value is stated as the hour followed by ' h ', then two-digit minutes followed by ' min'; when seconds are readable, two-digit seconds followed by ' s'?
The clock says 1 h 46 min
